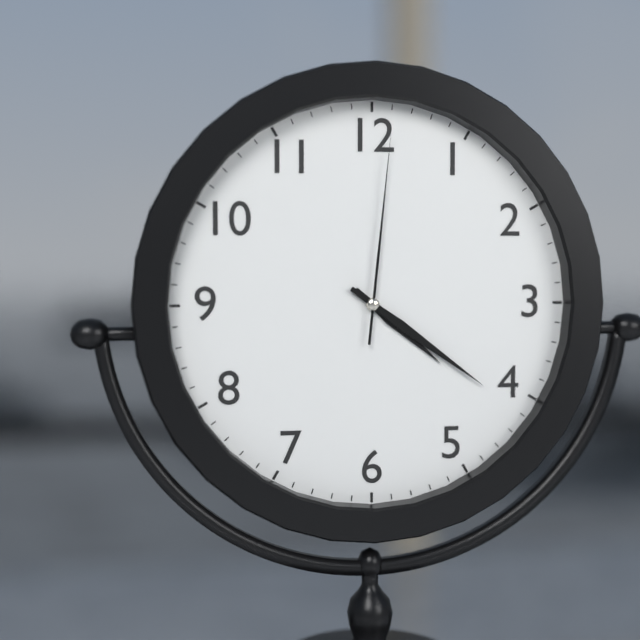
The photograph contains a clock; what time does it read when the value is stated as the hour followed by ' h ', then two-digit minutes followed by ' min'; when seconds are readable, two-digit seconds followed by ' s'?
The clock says 4 h 21 min 01 s
